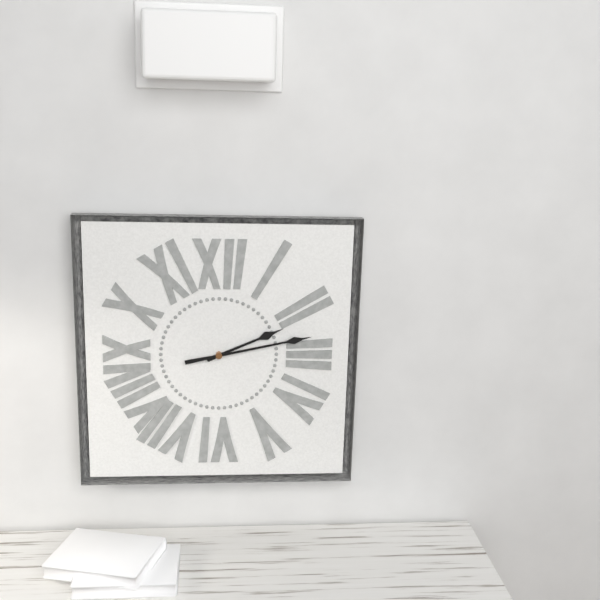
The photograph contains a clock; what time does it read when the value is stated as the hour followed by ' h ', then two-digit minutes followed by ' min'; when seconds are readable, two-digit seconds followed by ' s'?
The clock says 2 h 13 min
